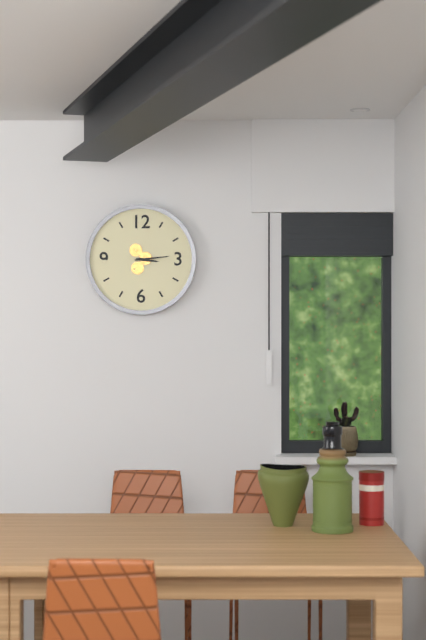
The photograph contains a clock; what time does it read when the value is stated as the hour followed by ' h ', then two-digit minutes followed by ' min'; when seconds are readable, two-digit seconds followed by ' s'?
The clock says 3 h 14 min
